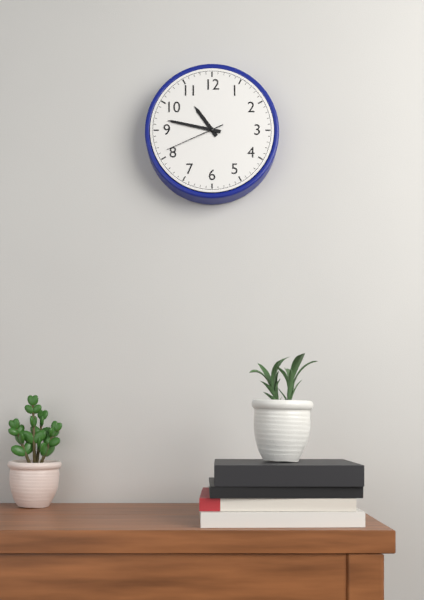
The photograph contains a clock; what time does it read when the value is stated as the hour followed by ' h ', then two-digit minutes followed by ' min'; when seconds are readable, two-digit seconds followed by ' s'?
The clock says 10 h 47 min 41 s
